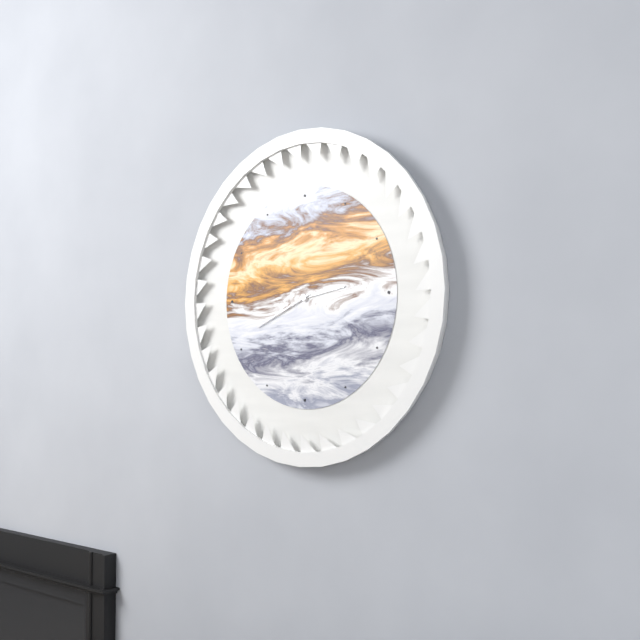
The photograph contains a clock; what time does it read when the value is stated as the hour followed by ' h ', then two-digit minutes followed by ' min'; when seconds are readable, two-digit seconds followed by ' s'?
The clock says 2 h 41 min
